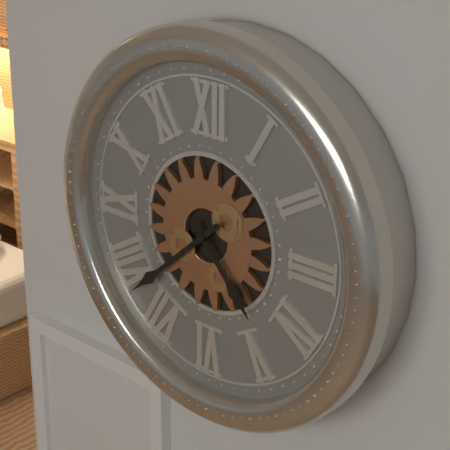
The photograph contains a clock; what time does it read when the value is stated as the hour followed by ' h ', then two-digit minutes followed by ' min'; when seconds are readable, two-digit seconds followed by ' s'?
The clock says 4 h 38 min
